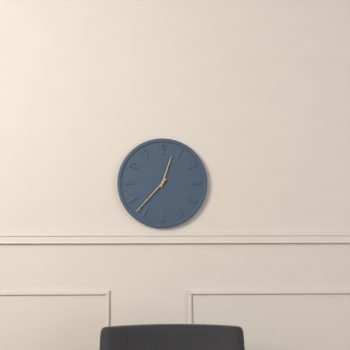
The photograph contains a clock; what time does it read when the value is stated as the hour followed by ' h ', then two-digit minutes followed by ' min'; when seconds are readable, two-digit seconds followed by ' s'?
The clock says 12 h 37 min
